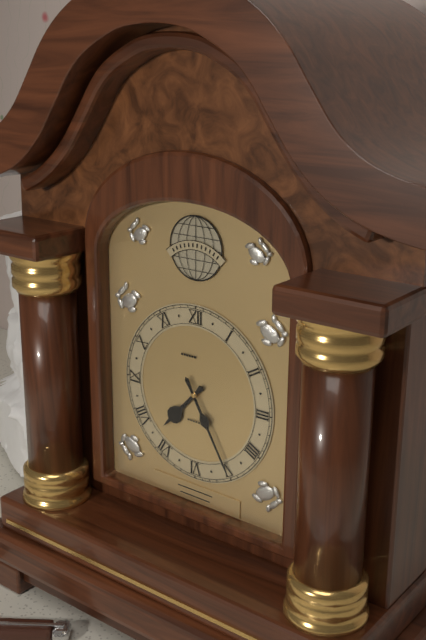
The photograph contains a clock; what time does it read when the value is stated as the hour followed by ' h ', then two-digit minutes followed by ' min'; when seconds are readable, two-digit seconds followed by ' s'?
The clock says 7 h 25 min
